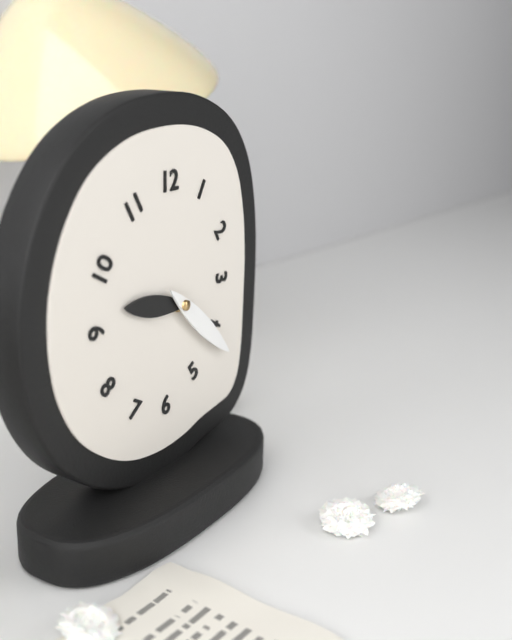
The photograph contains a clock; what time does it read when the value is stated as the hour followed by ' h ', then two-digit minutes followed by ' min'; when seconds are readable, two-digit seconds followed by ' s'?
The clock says 9 h 22 min
